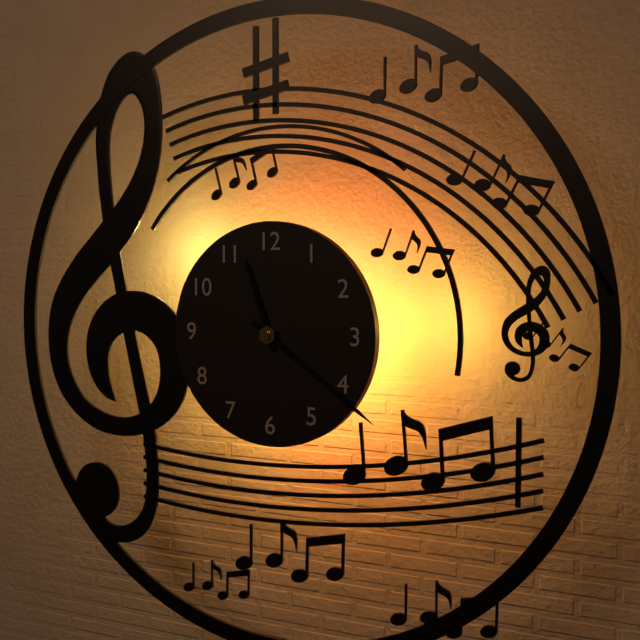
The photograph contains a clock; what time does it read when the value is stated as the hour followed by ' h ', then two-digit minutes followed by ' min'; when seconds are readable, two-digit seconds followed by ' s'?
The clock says 11 h 21 min
